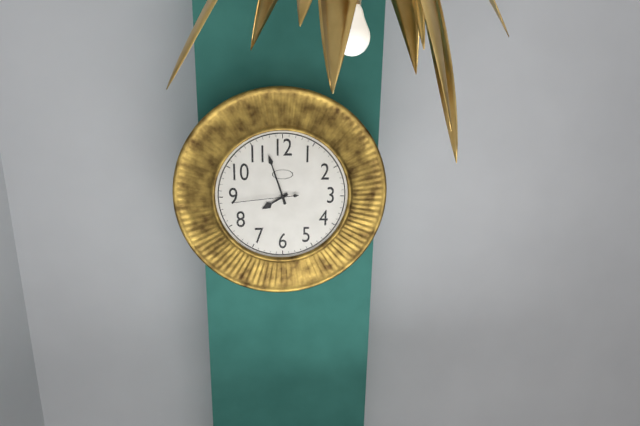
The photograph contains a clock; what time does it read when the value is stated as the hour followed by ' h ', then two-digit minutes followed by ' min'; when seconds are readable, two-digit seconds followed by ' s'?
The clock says 7 h 57 min 44 s
